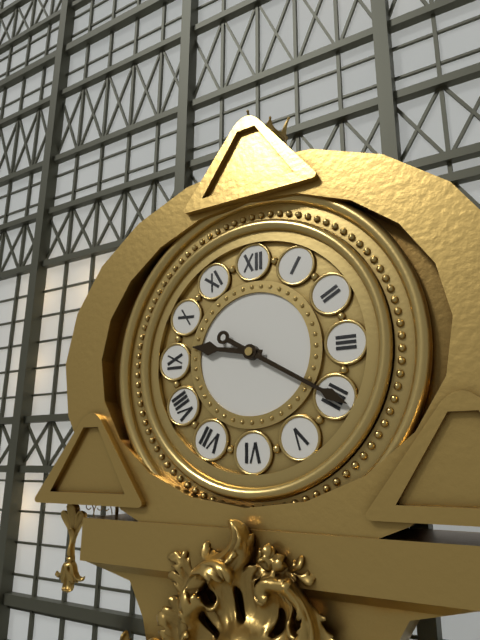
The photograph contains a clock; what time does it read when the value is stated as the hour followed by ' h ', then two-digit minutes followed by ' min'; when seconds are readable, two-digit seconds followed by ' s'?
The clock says 9 h 20 min
